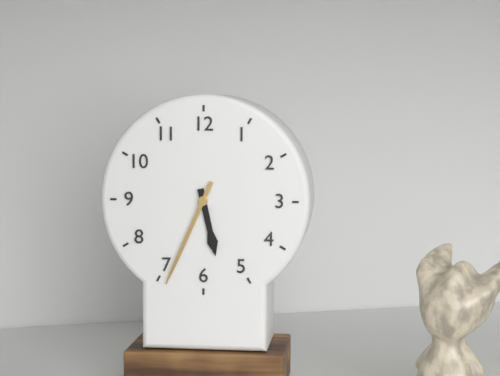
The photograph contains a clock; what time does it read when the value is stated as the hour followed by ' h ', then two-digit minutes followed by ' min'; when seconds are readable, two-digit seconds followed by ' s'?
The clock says 5 h 34 min
